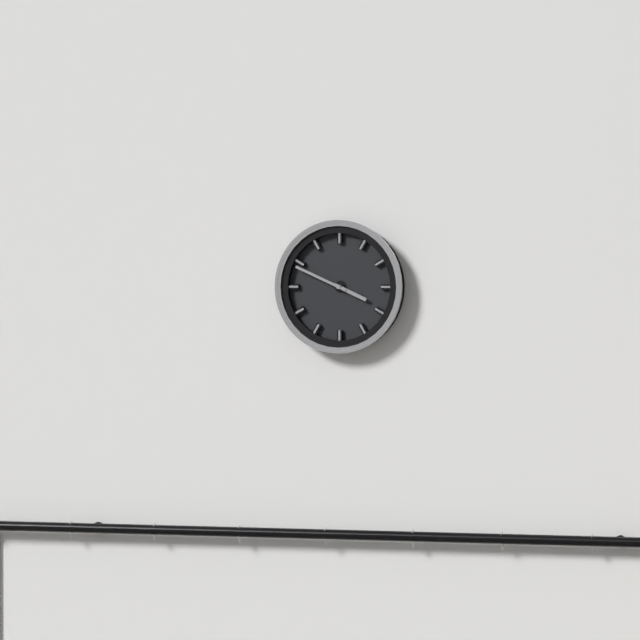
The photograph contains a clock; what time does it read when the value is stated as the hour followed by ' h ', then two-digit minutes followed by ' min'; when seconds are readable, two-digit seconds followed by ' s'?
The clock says 3 h 49 min
